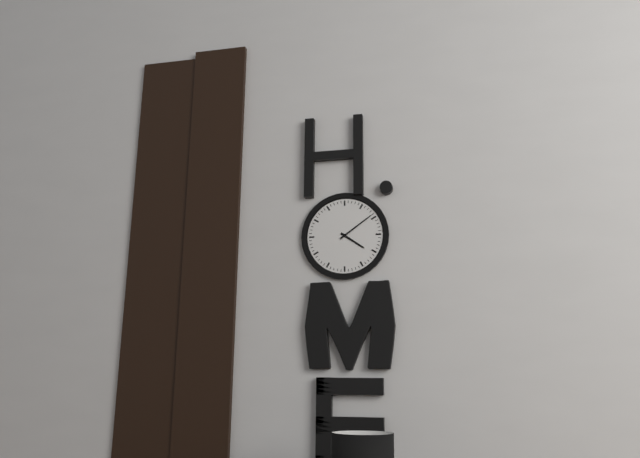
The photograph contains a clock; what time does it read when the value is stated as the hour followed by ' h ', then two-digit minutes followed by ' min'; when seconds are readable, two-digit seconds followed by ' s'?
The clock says 4 h 09 min
